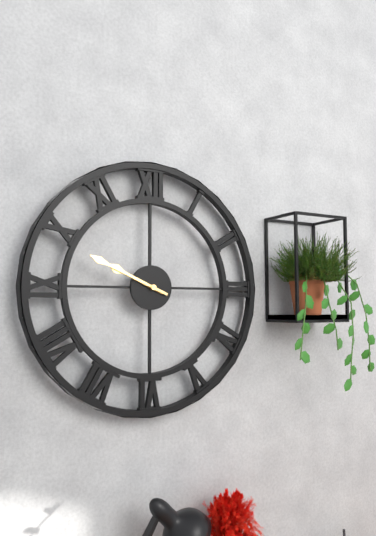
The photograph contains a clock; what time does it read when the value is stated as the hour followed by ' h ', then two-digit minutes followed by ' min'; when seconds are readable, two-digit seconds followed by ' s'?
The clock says 9 h 49 min
